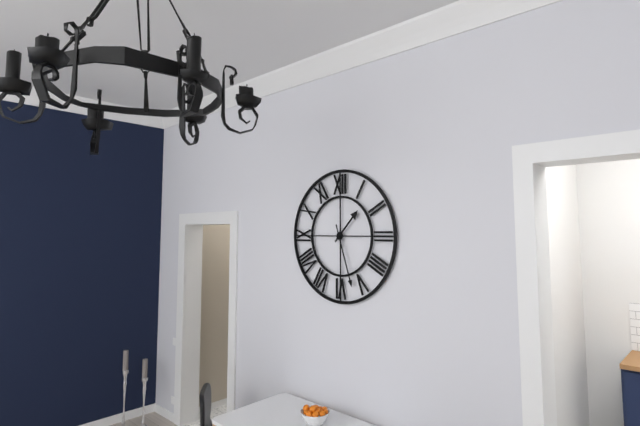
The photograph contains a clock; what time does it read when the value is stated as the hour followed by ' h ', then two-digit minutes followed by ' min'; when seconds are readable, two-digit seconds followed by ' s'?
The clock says 1 h 27 min
